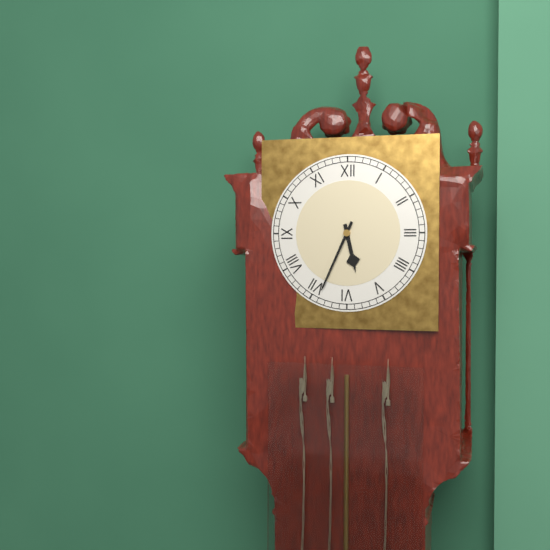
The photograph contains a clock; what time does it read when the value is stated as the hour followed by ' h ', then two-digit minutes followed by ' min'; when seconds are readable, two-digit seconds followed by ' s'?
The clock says 5 h 34 min
